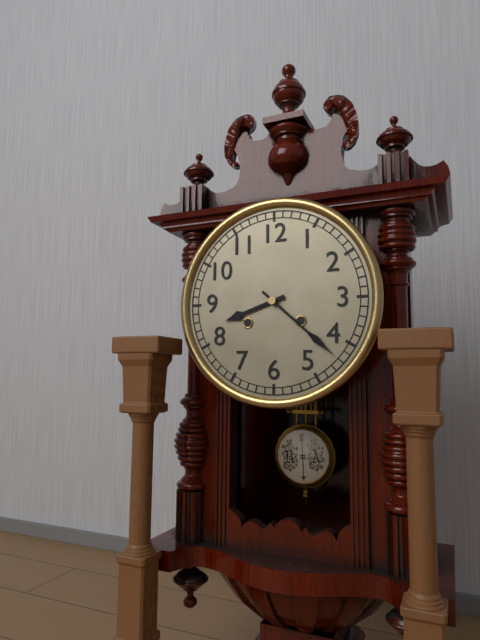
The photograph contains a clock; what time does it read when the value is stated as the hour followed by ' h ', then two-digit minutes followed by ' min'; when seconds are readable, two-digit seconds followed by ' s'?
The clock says 8 h 22 min
